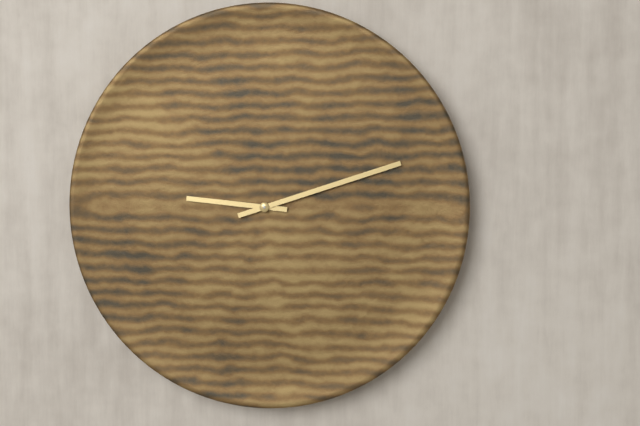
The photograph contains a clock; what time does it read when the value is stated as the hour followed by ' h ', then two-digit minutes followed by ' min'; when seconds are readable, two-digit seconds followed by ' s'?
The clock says 9 h 12 min
